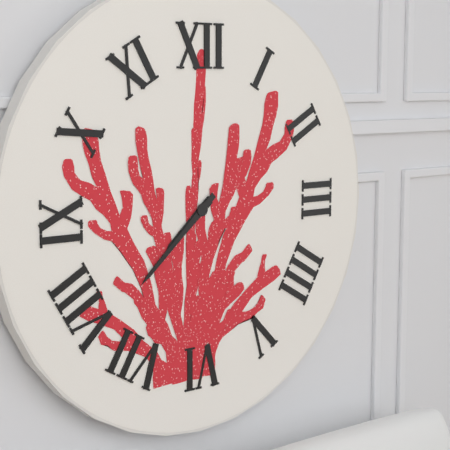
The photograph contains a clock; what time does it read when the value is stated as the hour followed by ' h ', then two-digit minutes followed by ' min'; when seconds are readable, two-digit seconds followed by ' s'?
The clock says 7 h 38 min
